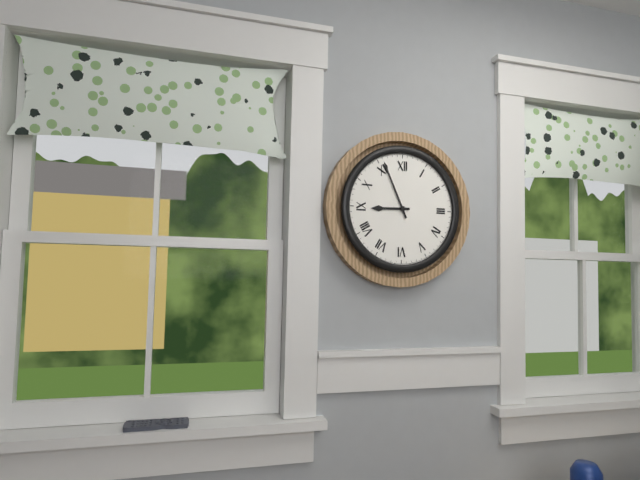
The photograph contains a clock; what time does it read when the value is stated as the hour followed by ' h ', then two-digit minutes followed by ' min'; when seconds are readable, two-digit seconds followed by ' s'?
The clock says 8 h 56 min
